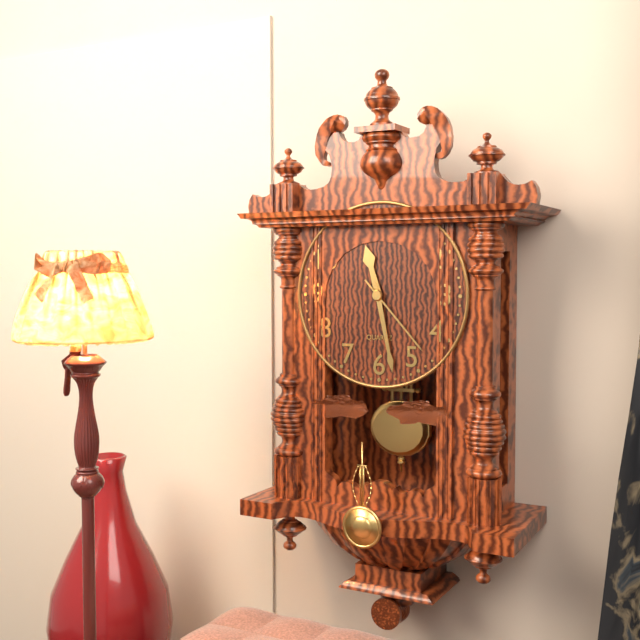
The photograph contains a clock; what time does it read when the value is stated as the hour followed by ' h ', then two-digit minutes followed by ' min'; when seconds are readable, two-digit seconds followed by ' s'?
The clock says 11 h 28 min 23 s
